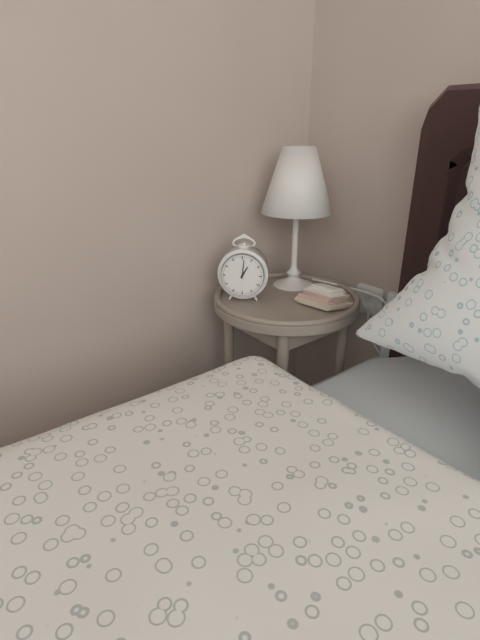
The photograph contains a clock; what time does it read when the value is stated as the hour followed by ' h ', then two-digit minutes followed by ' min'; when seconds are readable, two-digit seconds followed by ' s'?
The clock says 1 h 01 min
